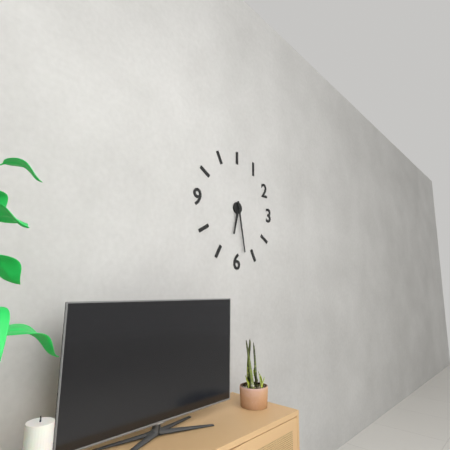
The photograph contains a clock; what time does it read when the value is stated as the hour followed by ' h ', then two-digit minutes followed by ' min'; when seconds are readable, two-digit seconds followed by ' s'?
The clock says 6 h 28 min
